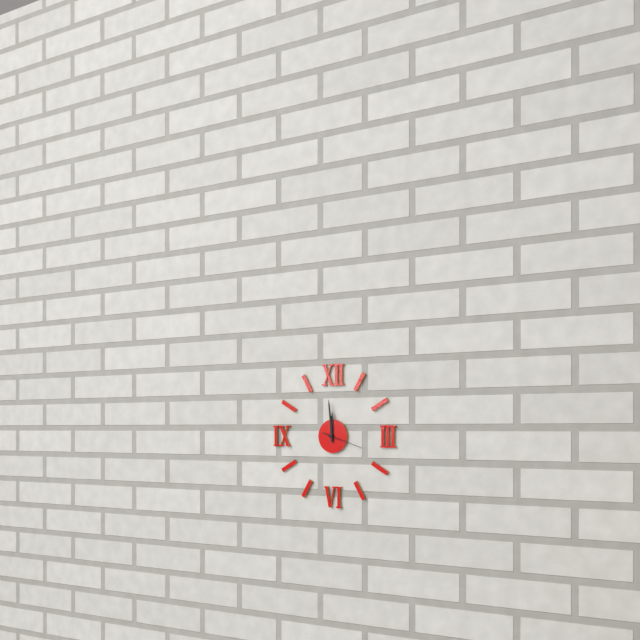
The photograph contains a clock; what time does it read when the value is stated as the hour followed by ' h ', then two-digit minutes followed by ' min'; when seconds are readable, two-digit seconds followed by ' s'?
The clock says 11 h 59 min
